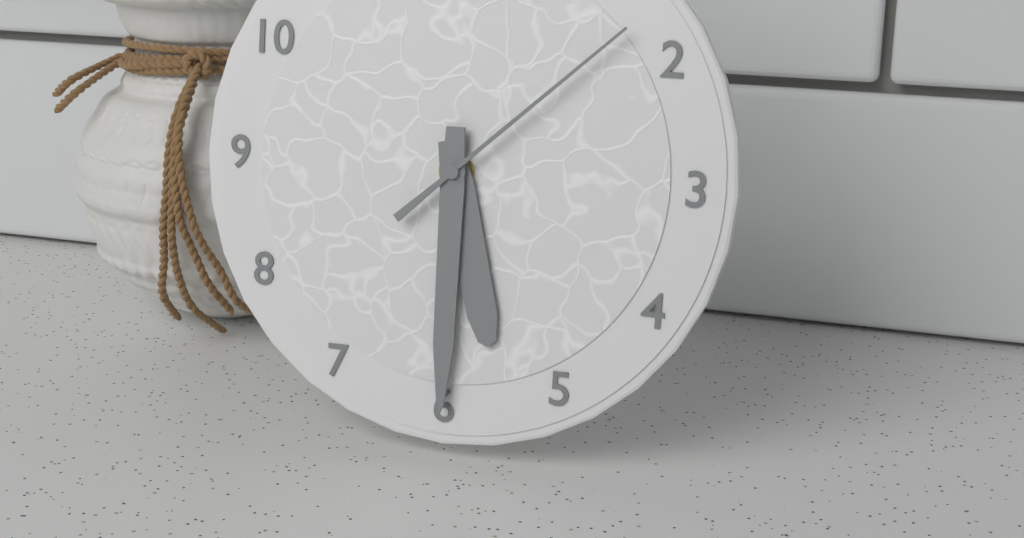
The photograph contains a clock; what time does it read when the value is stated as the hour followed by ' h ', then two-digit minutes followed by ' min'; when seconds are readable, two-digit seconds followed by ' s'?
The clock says 5 h 30 min 08 s
